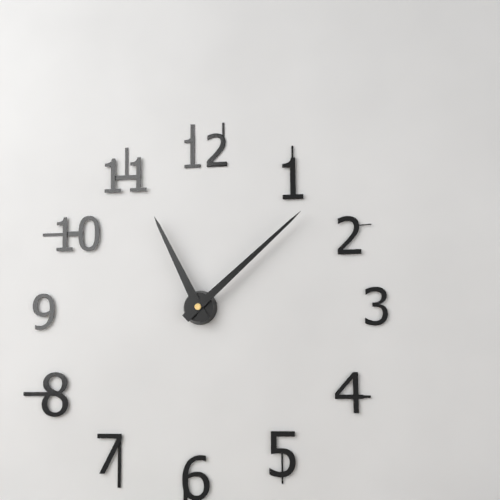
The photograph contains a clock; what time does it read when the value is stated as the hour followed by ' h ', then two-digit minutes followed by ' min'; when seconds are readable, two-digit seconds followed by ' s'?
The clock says 11 h 08 min
